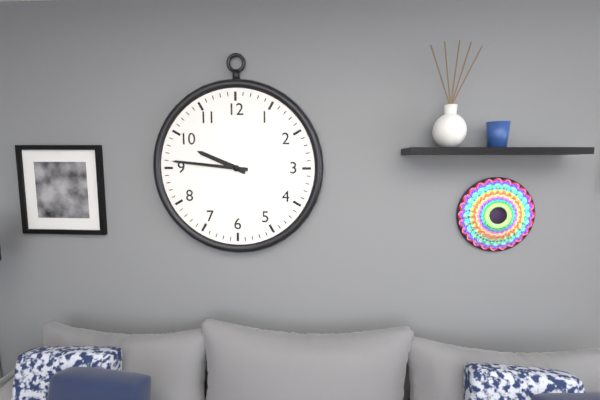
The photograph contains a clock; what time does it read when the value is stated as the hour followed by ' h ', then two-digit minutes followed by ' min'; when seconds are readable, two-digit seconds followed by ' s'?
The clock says 9 h 46 min
